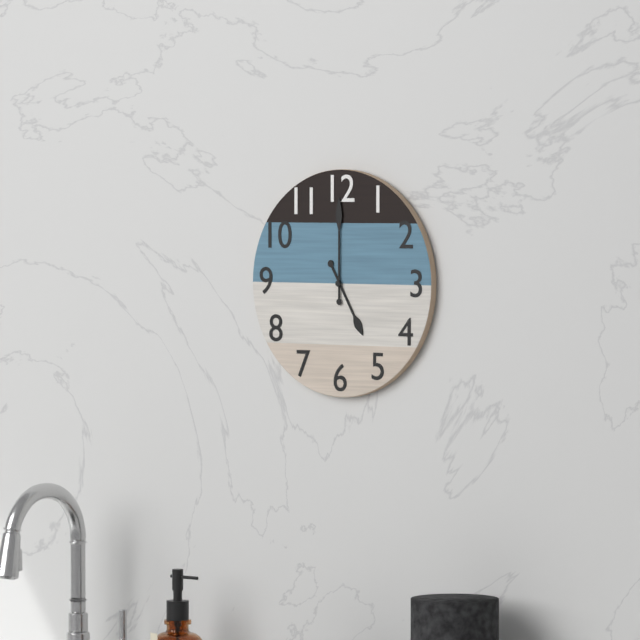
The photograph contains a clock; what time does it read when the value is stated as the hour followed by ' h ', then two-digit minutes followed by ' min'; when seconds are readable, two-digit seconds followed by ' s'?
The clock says 5 h 00 min
